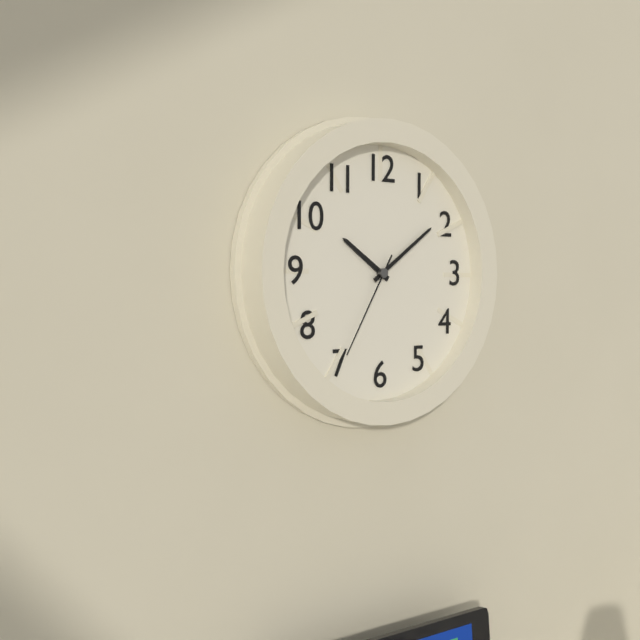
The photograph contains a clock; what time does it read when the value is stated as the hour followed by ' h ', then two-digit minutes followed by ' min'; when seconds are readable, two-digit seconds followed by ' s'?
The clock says 10 h 09 min 35 s
